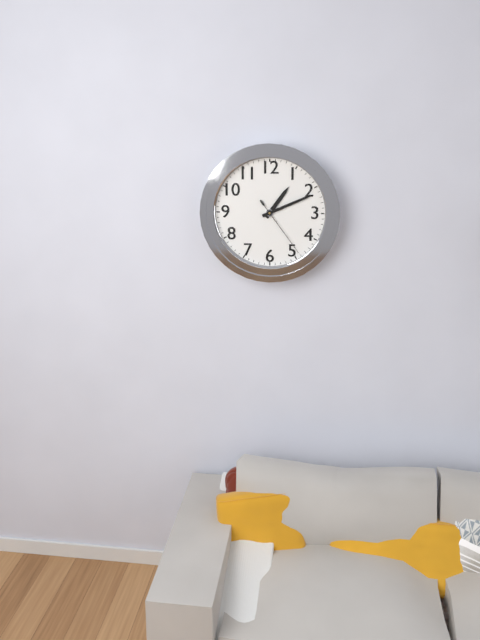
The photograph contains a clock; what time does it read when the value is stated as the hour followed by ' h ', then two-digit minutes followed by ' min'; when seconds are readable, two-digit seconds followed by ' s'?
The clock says 1 h 11 min 24 s
